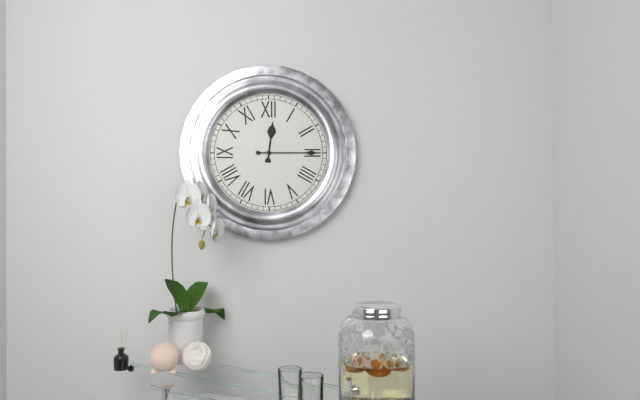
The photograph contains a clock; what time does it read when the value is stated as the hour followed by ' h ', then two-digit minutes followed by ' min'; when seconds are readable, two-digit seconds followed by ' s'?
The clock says 12 h 15 min
